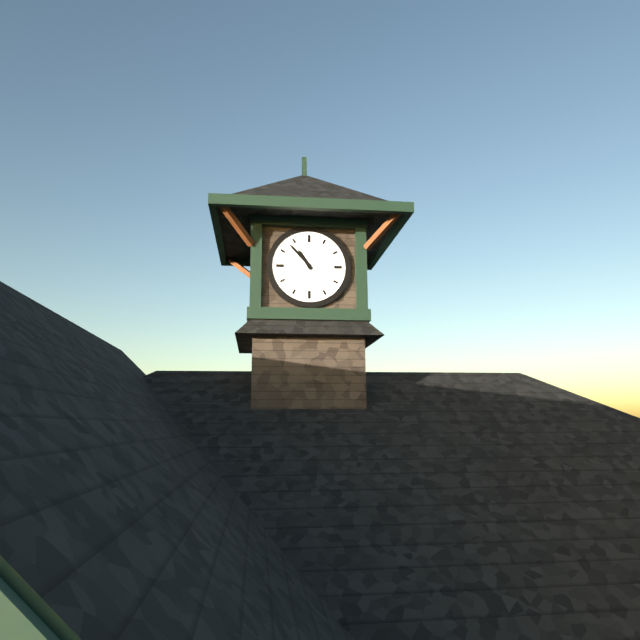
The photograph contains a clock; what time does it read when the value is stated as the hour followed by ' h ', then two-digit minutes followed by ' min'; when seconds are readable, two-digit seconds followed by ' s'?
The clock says 10 h 53 min
